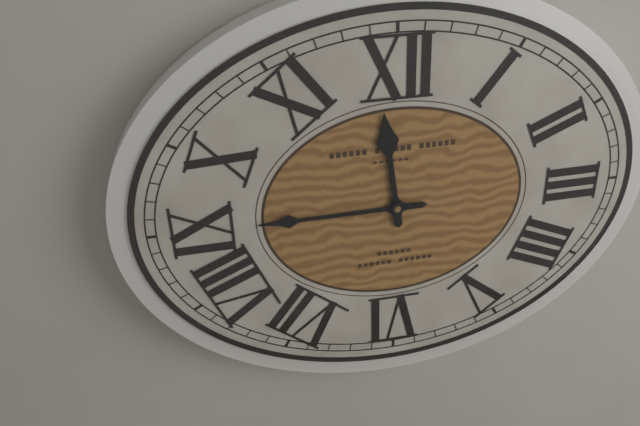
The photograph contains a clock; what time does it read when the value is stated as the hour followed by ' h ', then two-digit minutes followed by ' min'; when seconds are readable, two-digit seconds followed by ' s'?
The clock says 11 h 45 min
